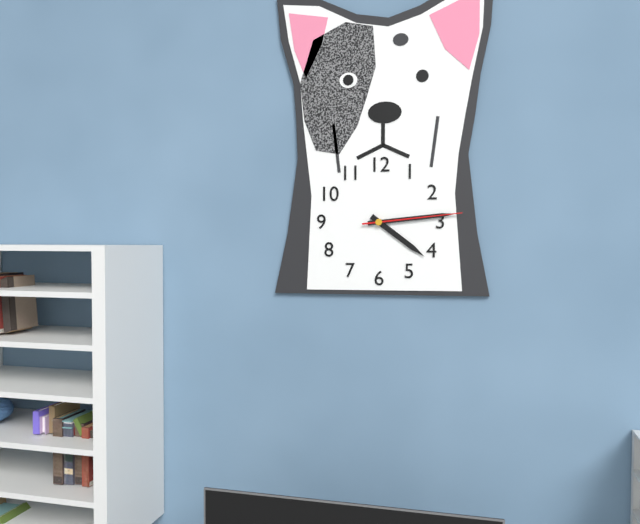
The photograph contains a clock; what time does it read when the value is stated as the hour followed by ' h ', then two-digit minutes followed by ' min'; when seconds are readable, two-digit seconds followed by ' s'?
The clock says 4 h 14 min 14 s
